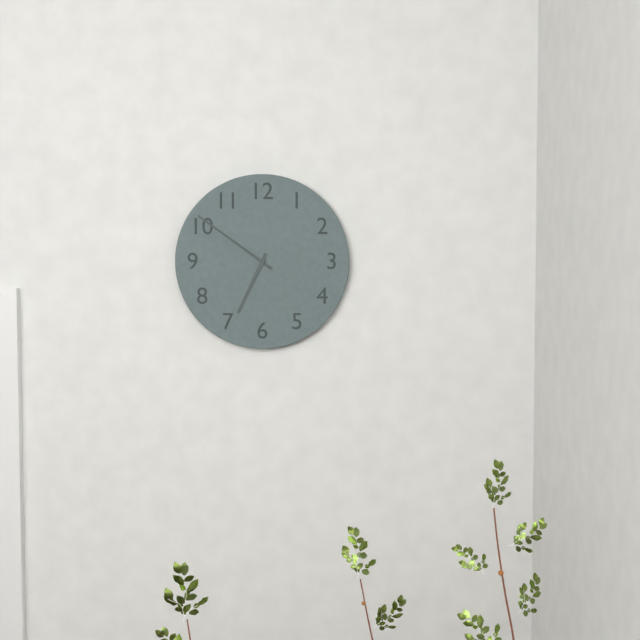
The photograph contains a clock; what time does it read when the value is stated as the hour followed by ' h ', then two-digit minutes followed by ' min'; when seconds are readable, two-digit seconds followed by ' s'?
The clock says 6 h 51 min
